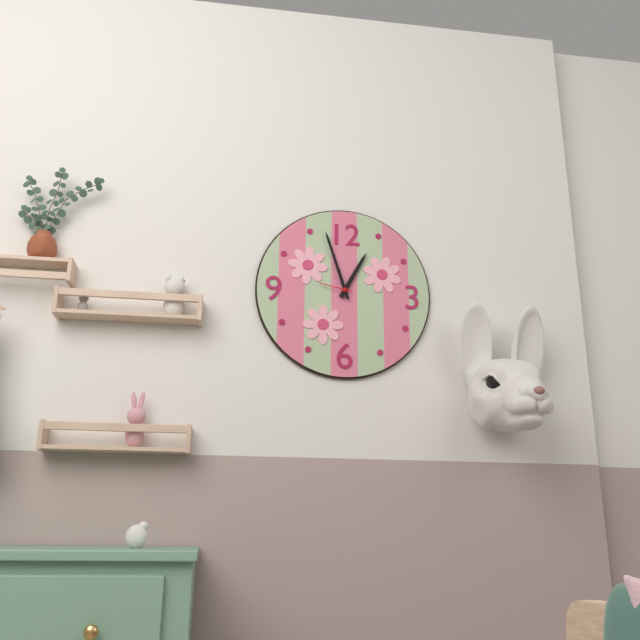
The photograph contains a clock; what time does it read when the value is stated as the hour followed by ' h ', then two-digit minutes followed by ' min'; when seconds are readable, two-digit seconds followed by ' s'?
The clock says 12 h 57 min
